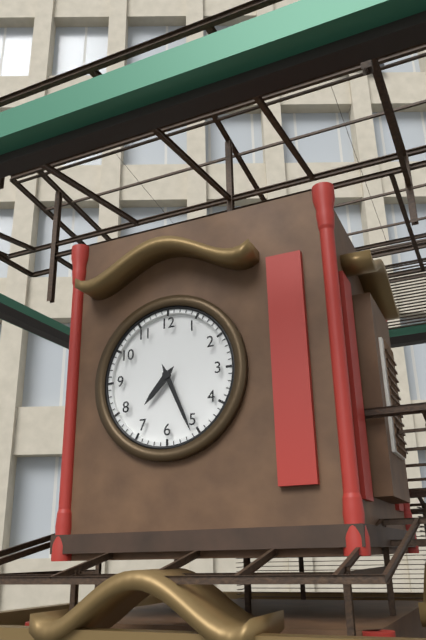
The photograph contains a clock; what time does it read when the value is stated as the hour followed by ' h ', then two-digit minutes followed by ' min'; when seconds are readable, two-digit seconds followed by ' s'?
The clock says 7 h 26 min
